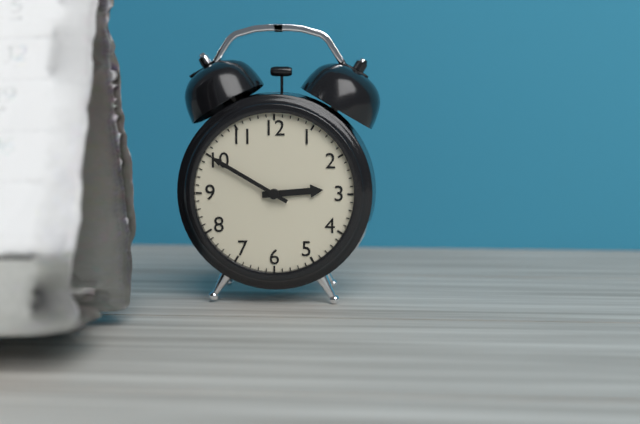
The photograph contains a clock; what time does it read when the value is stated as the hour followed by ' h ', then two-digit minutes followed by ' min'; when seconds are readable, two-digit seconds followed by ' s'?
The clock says 2 h 50 min
